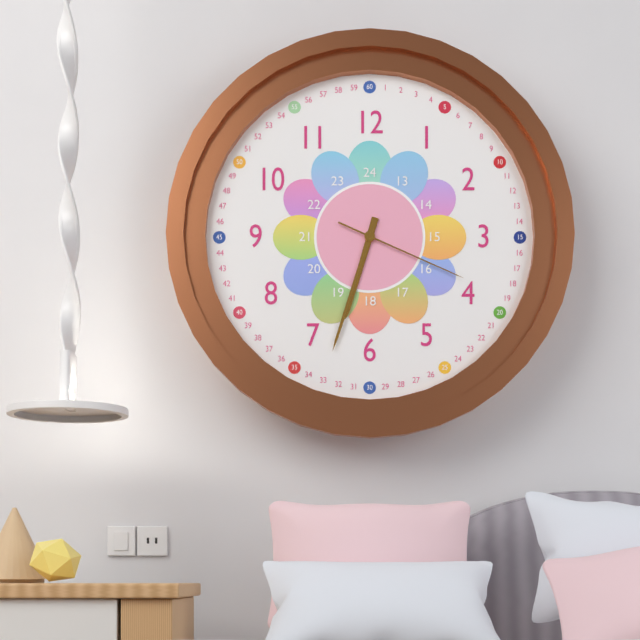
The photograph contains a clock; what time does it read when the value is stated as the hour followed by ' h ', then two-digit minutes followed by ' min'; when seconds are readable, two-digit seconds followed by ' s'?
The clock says 6 h 33 min 19 s
